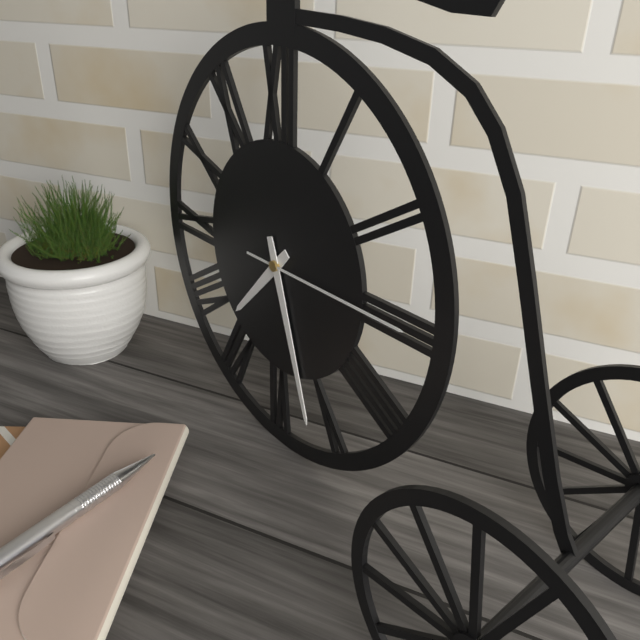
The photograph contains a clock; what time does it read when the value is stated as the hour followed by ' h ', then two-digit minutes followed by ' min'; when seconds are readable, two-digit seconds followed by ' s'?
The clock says 7 h 27 min 15 s
